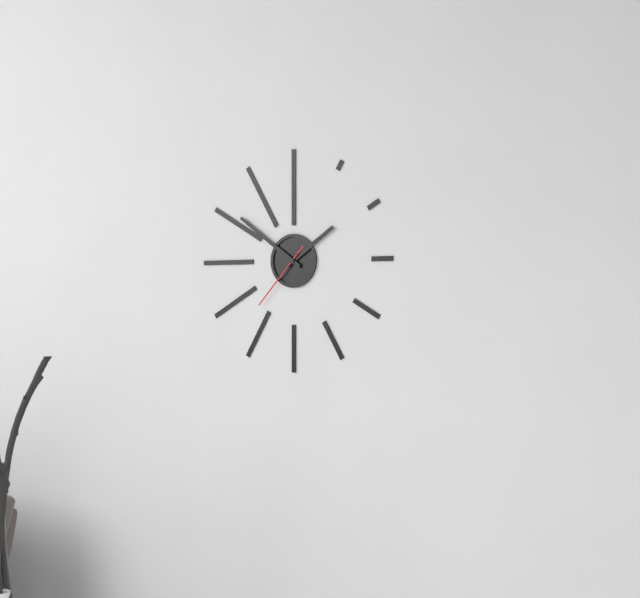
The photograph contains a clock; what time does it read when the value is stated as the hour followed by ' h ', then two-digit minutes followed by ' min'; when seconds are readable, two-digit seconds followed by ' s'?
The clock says 1 h 51 min 37 s
